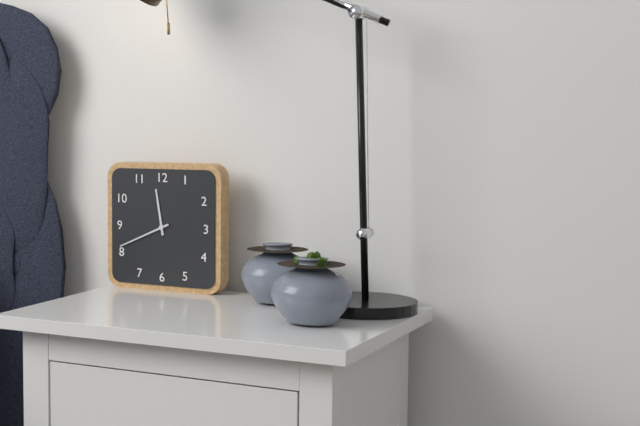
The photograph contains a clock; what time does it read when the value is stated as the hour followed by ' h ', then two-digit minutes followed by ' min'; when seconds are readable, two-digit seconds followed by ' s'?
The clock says 11 h 41 min
